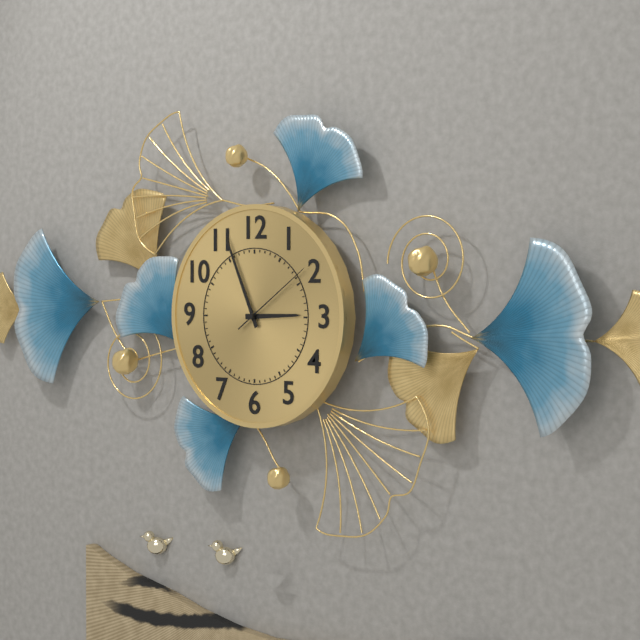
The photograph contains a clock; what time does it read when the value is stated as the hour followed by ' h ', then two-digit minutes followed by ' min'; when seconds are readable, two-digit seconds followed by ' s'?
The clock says 2 h 56 min 09 s
